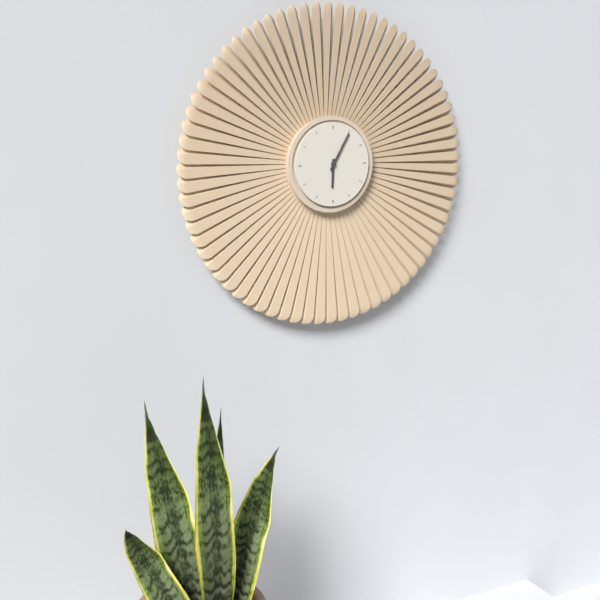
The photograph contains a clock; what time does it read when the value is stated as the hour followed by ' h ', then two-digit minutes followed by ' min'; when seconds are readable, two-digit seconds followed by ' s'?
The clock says 6 h 05 min
